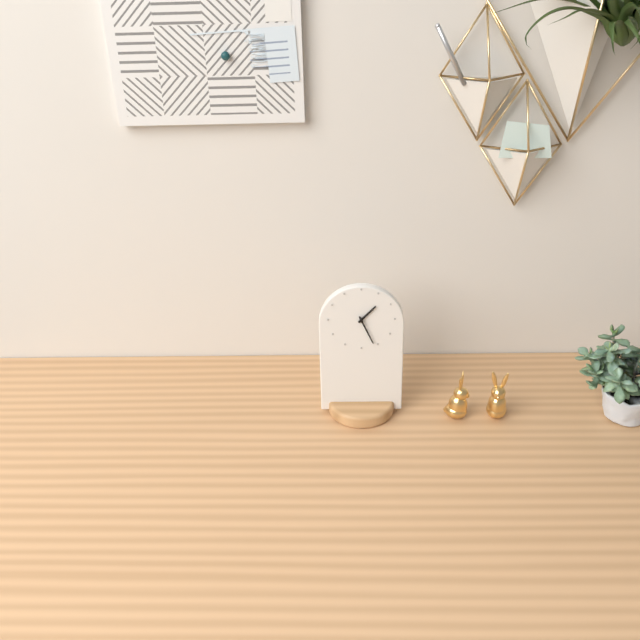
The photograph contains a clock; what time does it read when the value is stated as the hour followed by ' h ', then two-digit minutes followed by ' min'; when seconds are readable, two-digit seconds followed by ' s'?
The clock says 1 h 26 min
